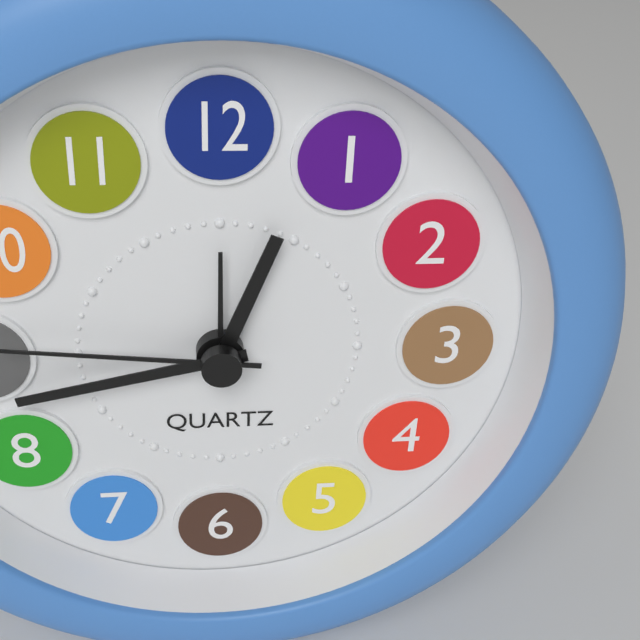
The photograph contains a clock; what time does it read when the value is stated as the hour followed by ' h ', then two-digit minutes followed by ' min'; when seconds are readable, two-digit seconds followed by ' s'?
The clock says 12 h 43 min
